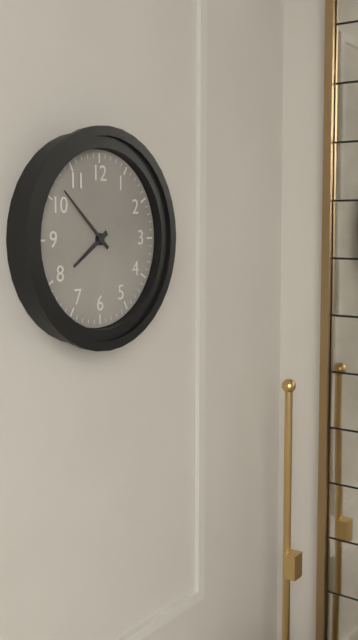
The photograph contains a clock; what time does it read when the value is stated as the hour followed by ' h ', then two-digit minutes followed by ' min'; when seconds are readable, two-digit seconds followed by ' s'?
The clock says 7 h 52 min
